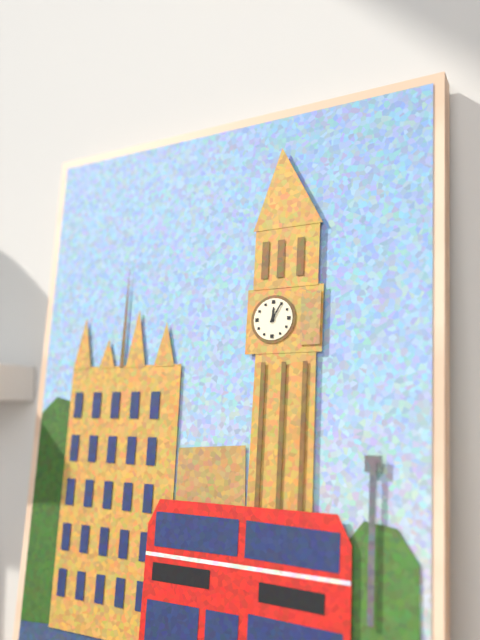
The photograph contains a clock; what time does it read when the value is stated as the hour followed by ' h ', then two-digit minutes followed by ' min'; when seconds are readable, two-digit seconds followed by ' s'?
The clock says 12 h 05 min
